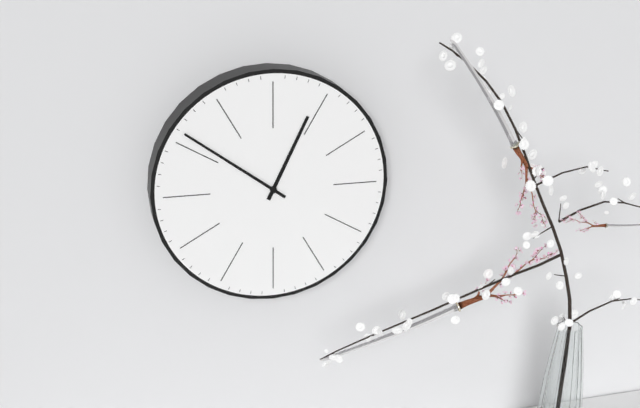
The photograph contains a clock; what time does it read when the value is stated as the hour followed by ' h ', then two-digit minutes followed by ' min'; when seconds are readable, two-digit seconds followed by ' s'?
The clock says 12 h 51 min
